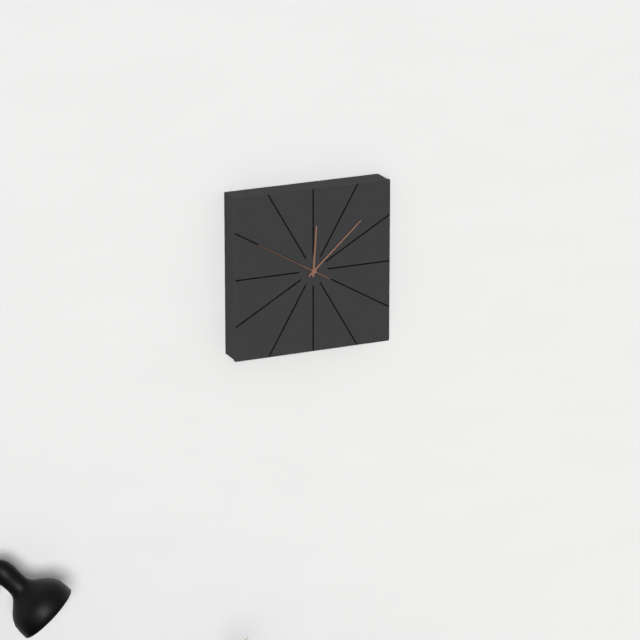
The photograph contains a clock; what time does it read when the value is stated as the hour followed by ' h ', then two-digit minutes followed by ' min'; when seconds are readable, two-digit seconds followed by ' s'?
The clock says 12 h 08 min 50 s
